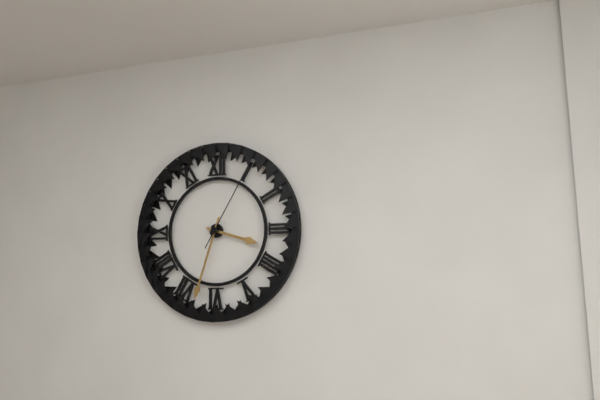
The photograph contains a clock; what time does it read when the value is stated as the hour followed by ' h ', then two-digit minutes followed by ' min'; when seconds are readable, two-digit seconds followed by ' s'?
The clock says 3 h 33 min 05 s
